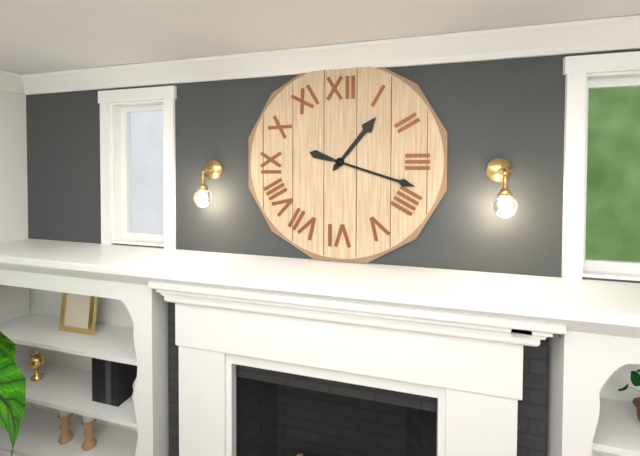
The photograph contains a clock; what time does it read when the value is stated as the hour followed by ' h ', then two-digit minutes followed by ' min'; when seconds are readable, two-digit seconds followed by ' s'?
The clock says 1 h 18 min
